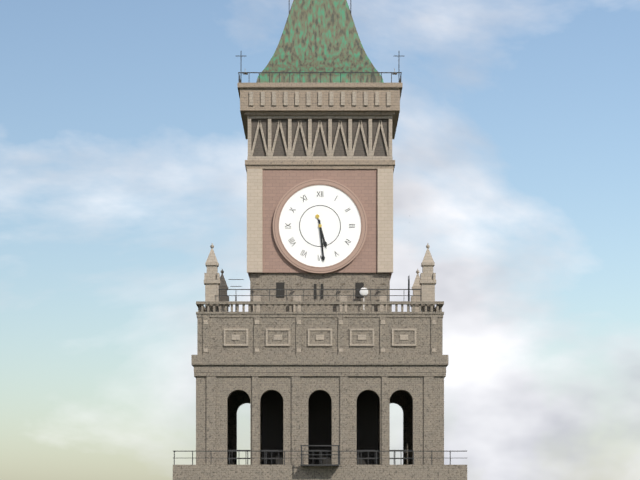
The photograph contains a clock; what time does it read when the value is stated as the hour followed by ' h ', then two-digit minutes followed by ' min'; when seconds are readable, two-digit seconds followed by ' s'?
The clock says 5 h 29 min
